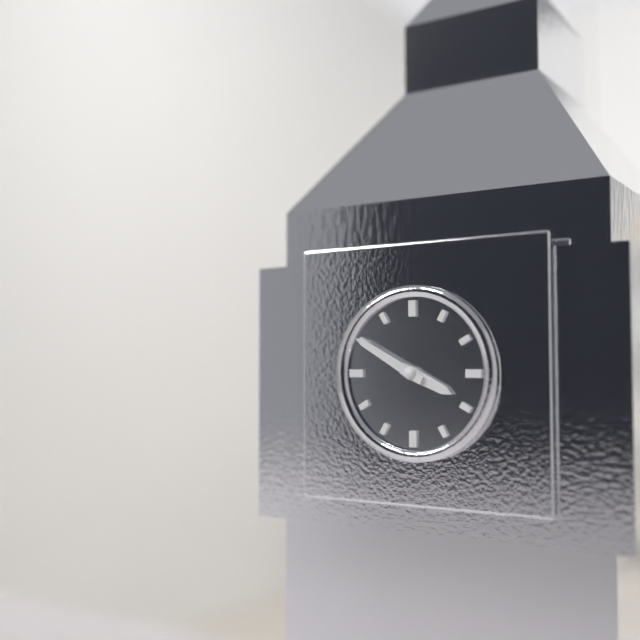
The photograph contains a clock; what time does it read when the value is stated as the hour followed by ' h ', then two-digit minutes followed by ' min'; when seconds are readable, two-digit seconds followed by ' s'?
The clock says 3 h 50 min
